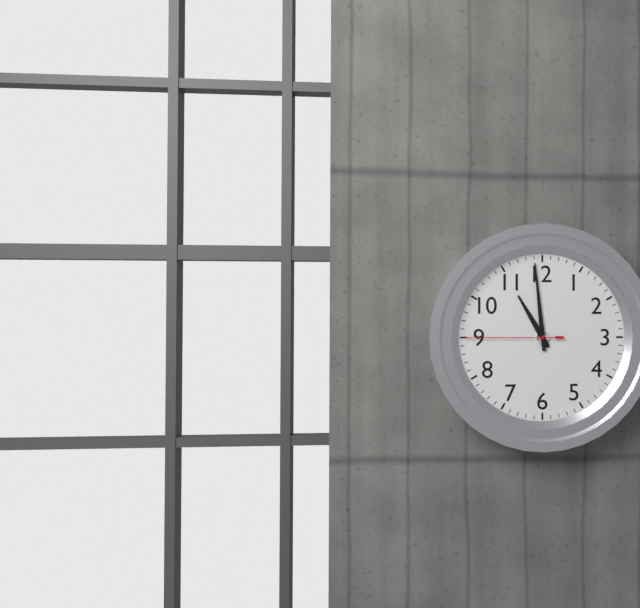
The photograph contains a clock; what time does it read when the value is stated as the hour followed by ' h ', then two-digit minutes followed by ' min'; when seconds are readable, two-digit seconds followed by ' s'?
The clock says 10 h 59 min 45 s
